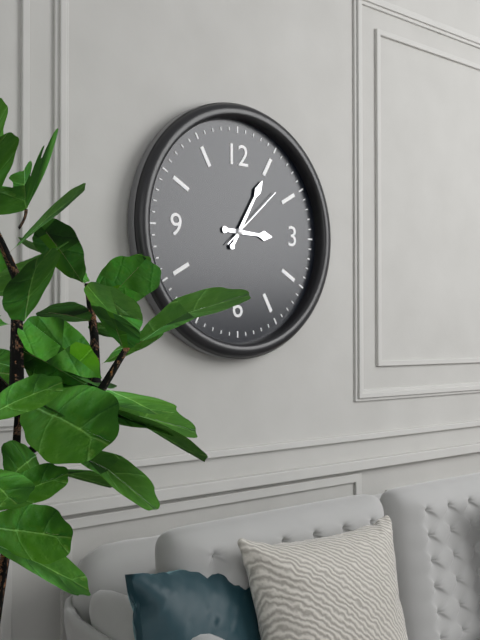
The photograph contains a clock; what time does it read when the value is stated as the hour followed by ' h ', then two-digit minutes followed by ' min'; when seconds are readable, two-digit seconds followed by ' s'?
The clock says 3 h 05 min 08 s
